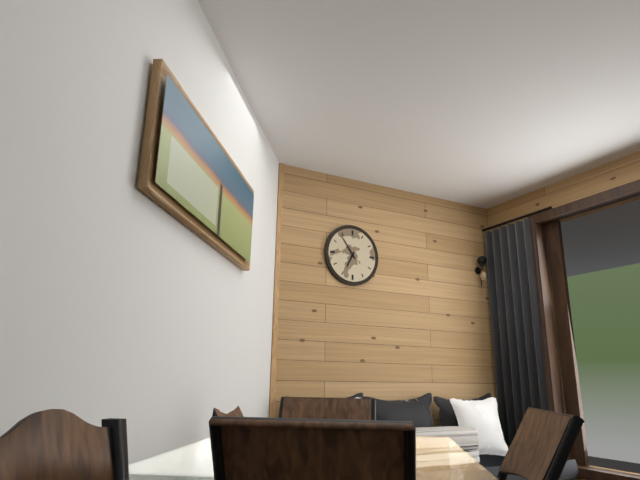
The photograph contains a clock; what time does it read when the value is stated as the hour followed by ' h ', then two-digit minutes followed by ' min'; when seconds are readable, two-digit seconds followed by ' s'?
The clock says 6 h 54 min
